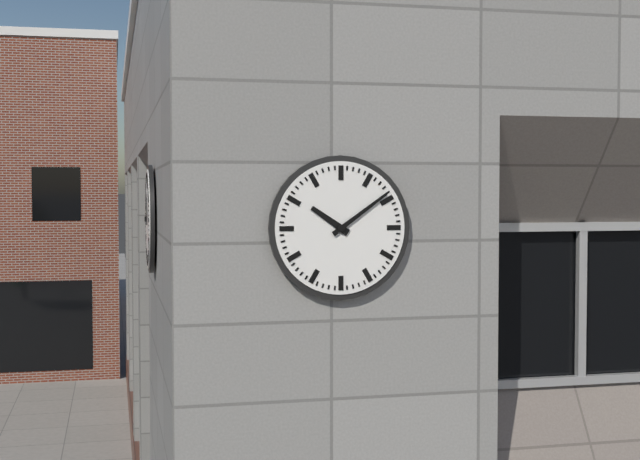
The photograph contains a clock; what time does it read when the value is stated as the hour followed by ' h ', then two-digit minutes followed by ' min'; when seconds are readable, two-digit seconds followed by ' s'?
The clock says 10 h 09 min
